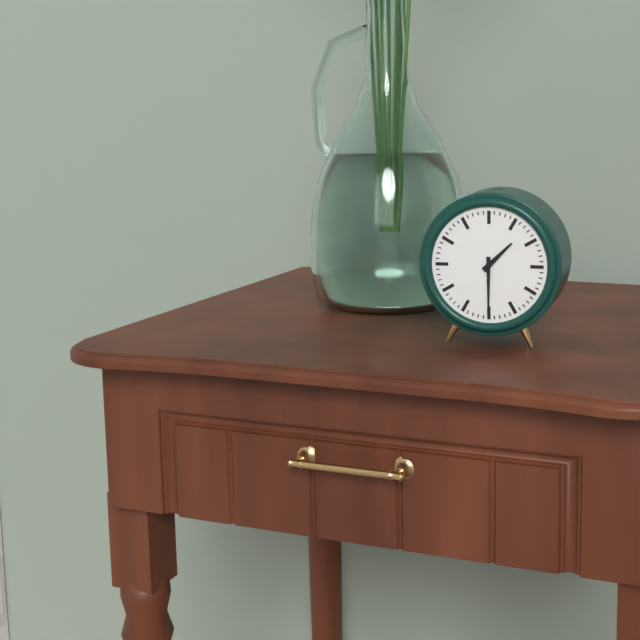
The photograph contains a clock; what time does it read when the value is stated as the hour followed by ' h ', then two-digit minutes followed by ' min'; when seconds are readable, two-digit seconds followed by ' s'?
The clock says 1 h 30 min
